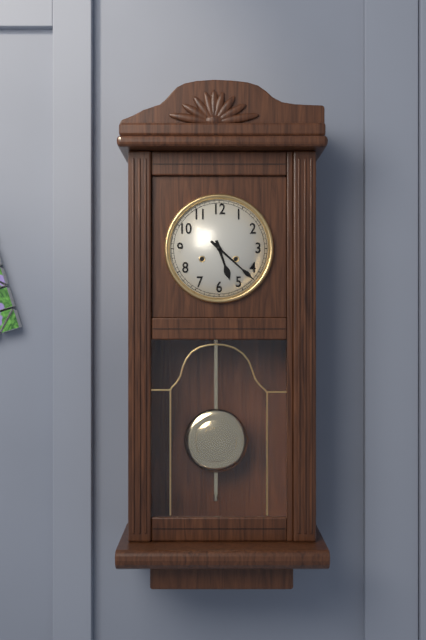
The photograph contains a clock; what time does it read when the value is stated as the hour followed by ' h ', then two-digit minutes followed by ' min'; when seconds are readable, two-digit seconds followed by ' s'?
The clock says 5 h 22 min
